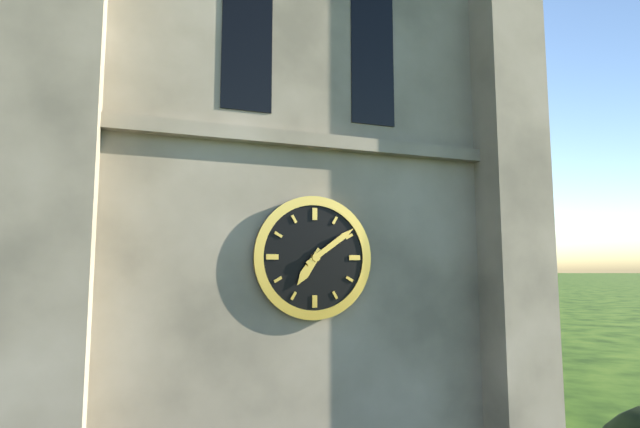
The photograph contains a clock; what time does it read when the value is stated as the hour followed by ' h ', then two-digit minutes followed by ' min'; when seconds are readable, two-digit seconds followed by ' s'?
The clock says 7 h 09 min
